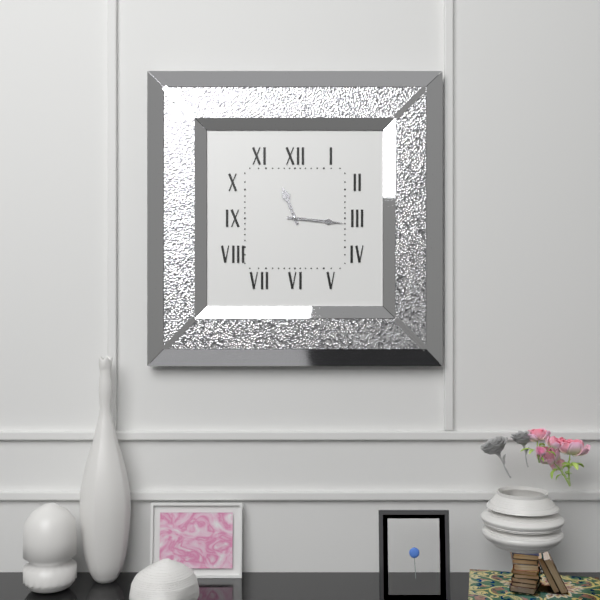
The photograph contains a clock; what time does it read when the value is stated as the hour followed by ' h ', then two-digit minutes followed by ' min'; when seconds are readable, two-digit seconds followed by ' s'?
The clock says 11 h 16 min
